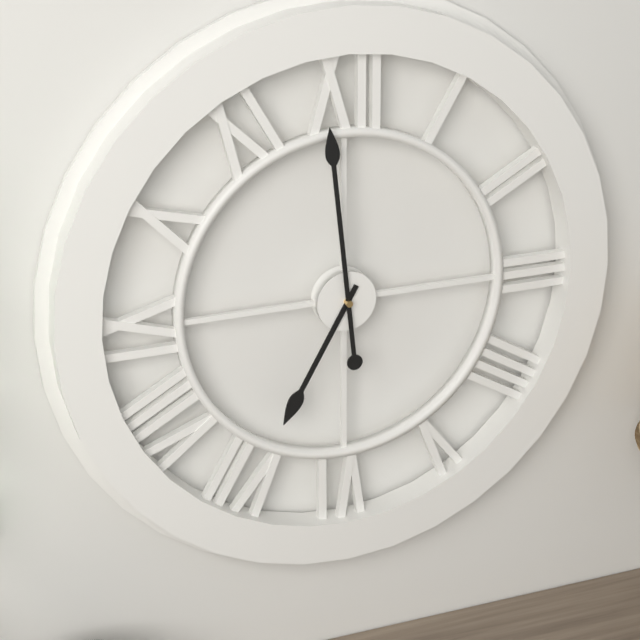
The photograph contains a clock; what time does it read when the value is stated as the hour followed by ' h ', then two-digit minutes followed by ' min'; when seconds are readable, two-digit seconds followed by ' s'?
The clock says 6 h 59 min
